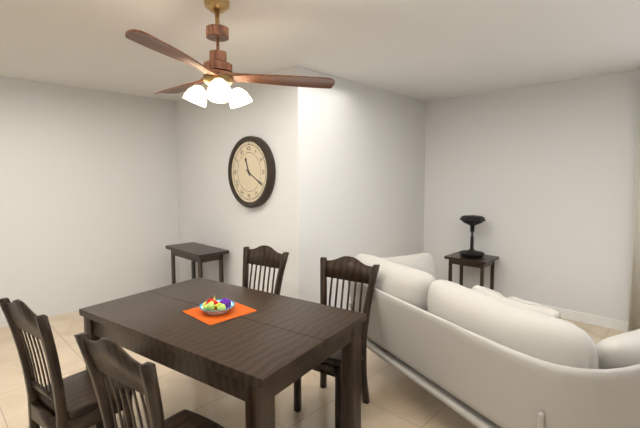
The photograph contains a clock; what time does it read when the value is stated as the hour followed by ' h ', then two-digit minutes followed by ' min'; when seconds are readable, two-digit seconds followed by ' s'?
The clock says 11 h 20 min
